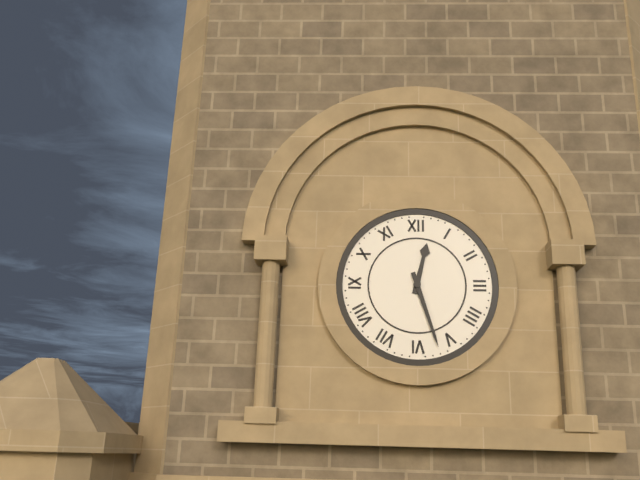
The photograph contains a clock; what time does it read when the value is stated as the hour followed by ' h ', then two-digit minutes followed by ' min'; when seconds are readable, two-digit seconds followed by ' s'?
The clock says 12 h 27 min
